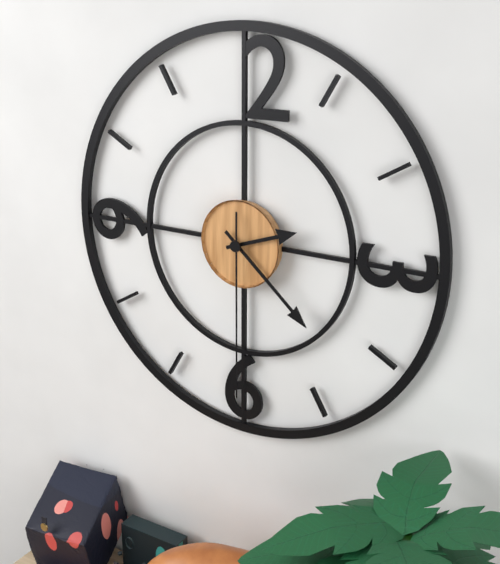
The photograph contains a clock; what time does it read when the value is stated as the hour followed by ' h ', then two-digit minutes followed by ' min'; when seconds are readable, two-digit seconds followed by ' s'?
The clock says 2 h 22 min 30 s
